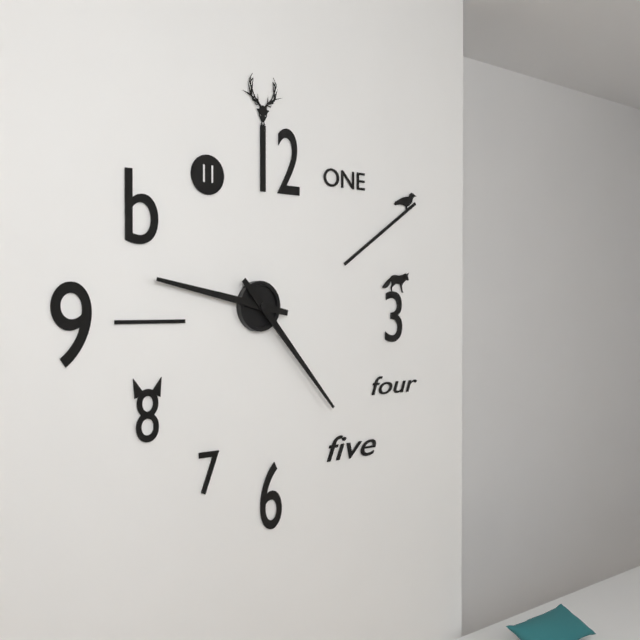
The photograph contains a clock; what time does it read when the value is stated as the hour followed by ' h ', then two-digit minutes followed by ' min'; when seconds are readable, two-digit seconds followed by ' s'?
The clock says 9 h 23 min
